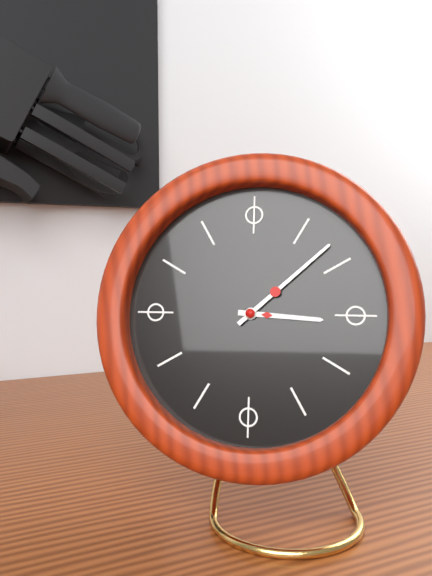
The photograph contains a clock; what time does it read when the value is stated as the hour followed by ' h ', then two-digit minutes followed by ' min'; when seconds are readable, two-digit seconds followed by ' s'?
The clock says 3 h 08 min
